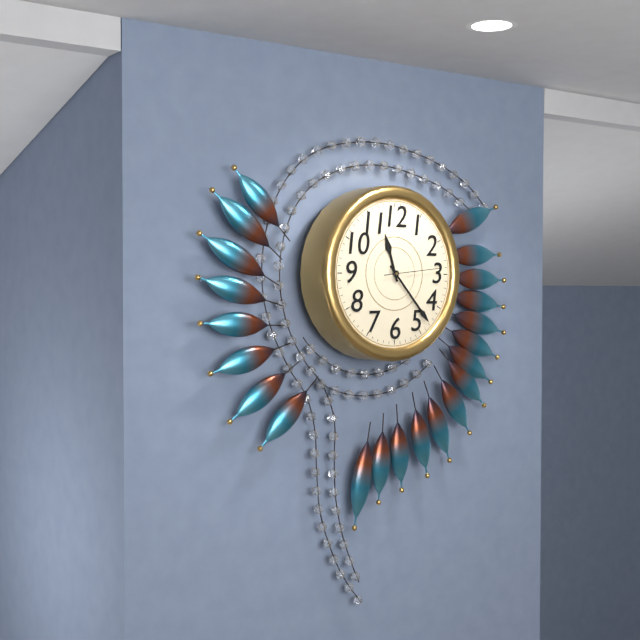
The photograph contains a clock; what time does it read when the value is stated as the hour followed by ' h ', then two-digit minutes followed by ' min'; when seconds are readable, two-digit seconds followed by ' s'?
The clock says 11 h 23 min 14 s
